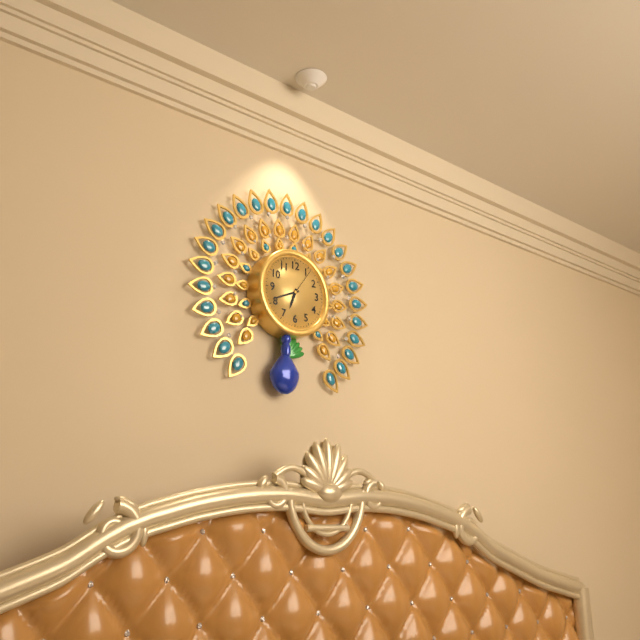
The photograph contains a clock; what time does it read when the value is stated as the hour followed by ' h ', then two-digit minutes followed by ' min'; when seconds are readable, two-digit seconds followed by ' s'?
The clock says 6 h 41 min
